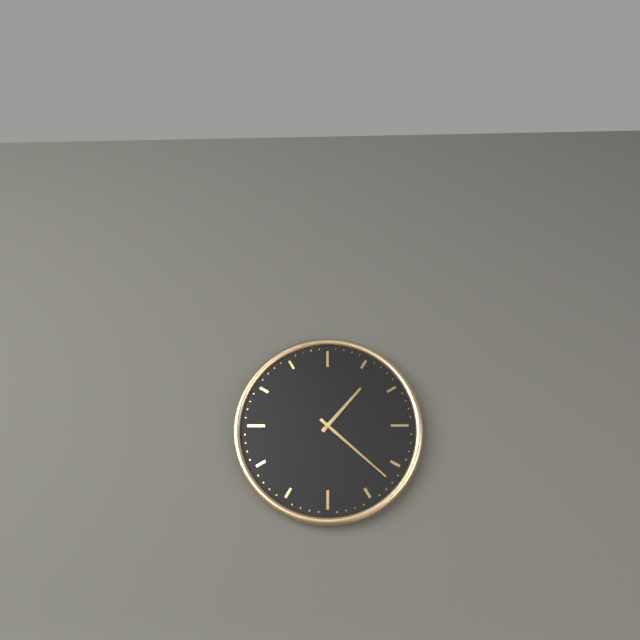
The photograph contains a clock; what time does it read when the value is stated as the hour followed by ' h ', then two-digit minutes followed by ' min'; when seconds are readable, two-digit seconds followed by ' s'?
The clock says 1 h 22 min
